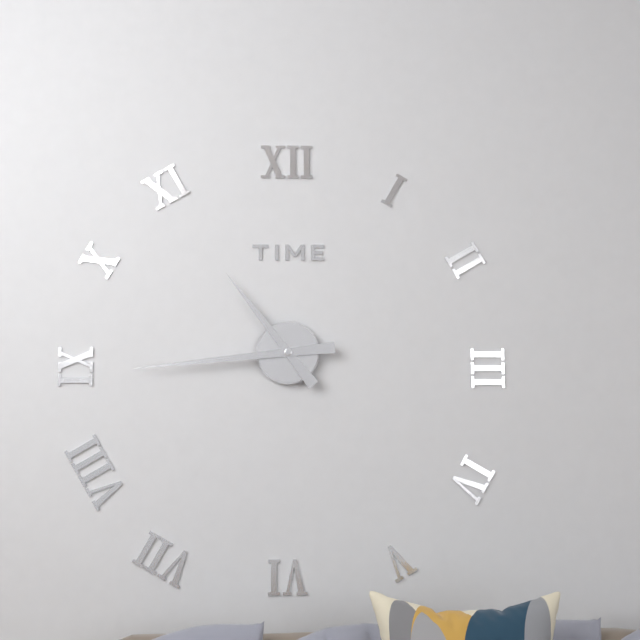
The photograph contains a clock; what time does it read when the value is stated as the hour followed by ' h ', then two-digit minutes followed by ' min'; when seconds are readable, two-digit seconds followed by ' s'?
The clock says 10 h 44 min
